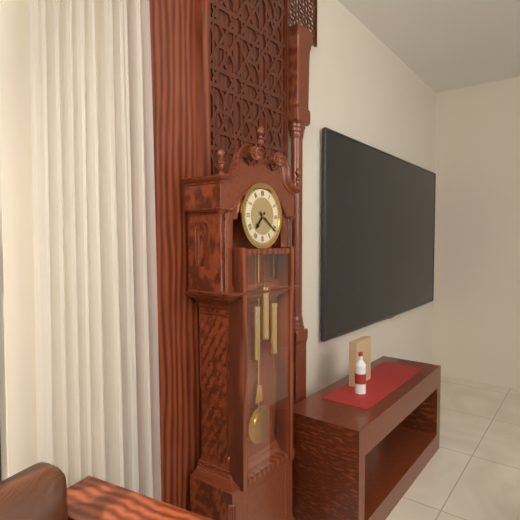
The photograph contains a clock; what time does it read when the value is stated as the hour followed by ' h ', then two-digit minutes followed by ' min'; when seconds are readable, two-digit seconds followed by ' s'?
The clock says 7 h 21 min
